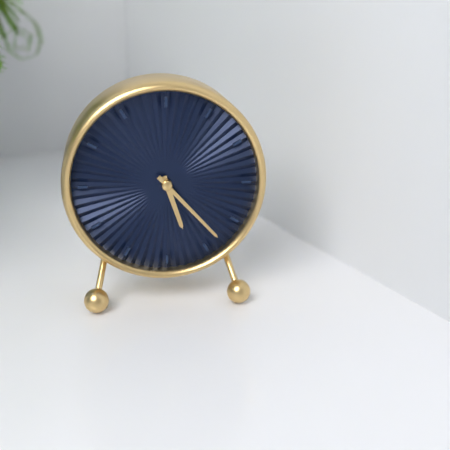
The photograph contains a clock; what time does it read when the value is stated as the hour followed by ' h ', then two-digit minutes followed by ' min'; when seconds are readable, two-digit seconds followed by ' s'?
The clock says 5 h 23 min
